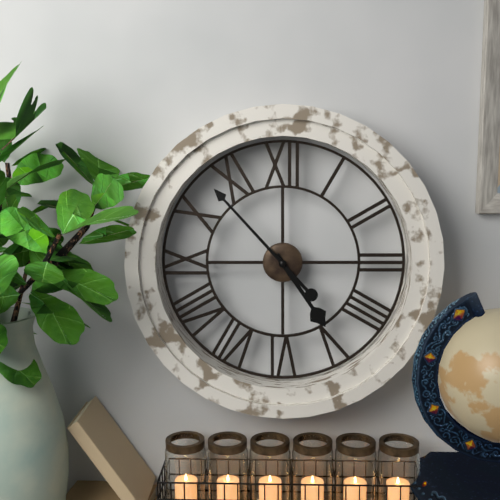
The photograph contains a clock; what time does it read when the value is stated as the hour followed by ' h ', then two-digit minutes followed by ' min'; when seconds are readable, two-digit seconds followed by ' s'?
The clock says 4 h 53 min
